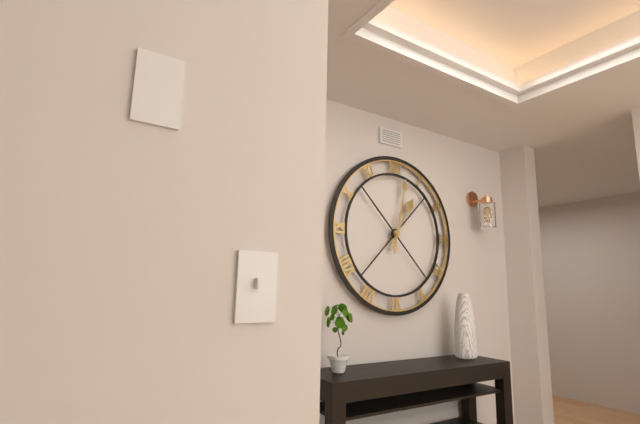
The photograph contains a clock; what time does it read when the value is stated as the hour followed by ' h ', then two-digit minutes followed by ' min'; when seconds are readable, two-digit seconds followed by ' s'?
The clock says 1 h 02 min
